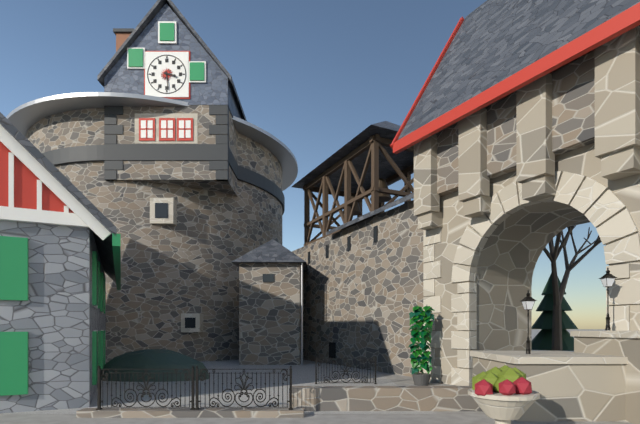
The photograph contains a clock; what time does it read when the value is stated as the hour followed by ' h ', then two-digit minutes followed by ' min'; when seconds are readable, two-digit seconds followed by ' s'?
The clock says 3 h 29 min
